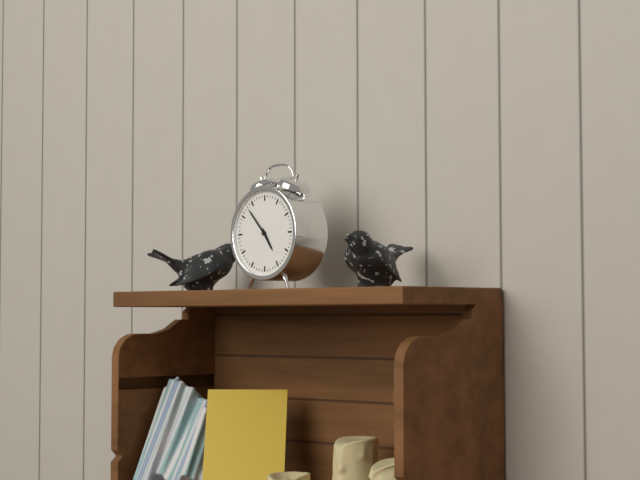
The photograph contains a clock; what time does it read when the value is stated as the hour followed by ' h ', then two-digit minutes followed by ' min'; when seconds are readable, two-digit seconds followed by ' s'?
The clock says 4 h 53 min
